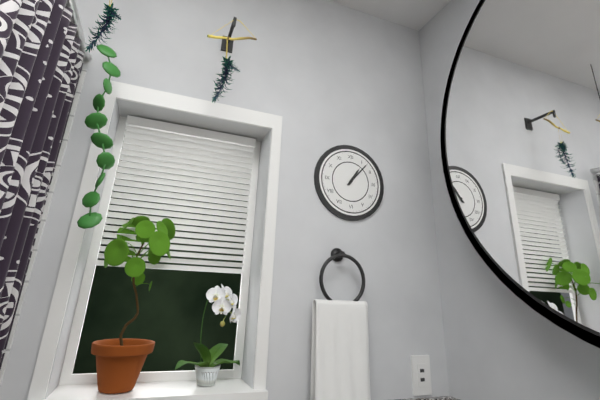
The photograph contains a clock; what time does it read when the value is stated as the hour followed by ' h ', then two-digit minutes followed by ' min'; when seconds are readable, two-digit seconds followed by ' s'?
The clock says 1 h 07 min
